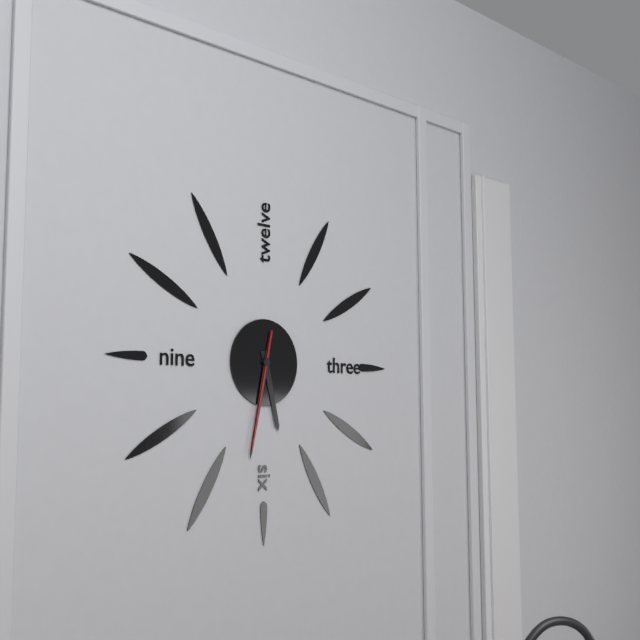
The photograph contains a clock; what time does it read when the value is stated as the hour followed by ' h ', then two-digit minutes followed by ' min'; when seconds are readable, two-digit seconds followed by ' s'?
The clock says 5 h 32 min 32 s
